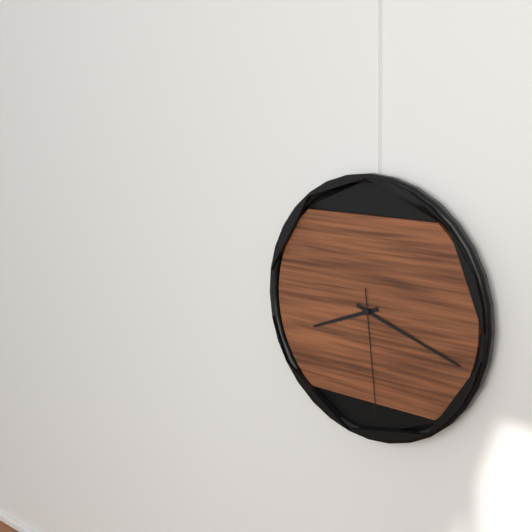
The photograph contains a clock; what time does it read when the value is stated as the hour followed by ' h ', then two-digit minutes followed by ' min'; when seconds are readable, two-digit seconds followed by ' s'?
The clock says 8 h 18 min 29 s
